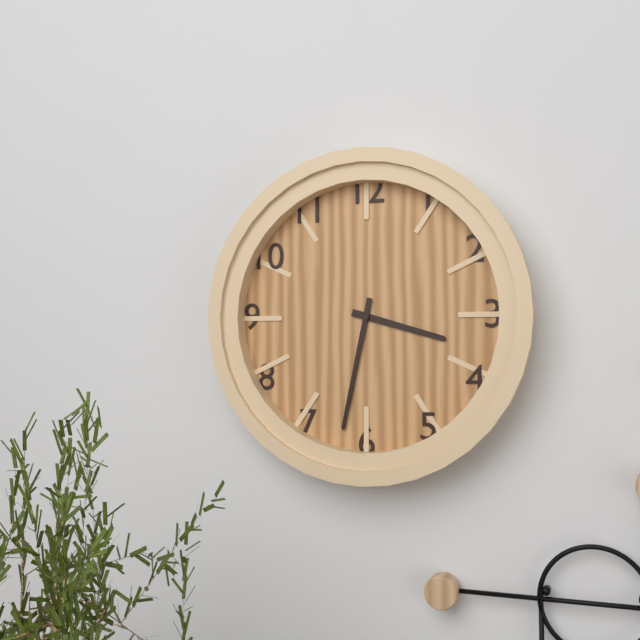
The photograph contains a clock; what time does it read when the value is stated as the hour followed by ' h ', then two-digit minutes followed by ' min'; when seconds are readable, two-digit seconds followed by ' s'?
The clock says 3 h 32 min
